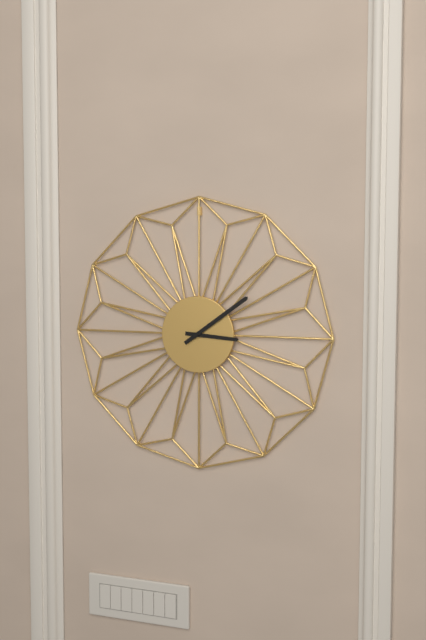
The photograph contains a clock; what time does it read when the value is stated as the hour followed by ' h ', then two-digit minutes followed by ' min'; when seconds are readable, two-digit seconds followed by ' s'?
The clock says 3 h 09 min
